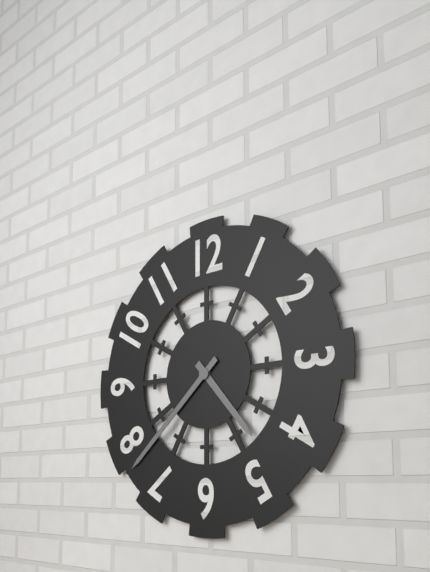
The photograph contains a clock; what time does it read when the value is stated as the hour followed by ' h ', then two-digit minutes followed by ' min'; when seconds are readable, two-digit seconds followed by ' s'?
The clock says 4 h 38 min
